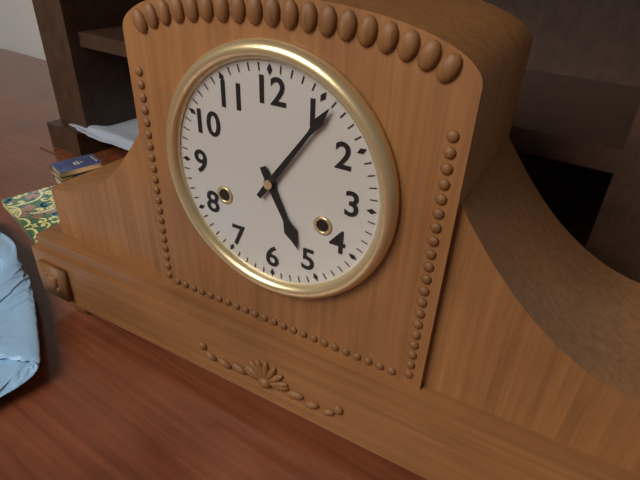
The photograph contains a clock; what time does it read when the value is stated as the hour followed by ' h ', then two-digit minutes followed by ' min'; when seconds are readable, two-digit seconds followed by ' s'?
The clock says 5 h 06 min
